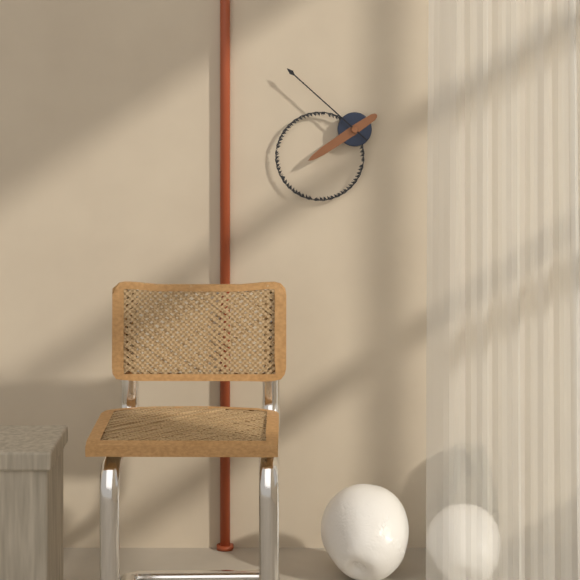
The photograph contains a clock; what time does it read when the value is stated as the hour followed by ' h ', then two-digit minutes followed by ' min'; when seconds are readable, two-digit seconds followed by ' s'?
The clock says 7 h 52 min
